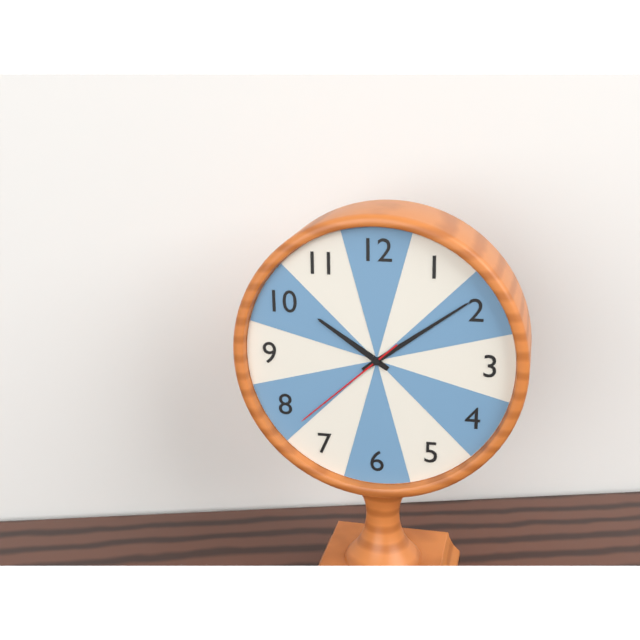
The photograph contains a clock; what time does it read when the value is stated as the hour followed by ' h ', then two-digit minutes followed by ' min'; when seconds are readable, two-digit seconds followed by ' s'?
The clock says 10 h 09 min 38 s
